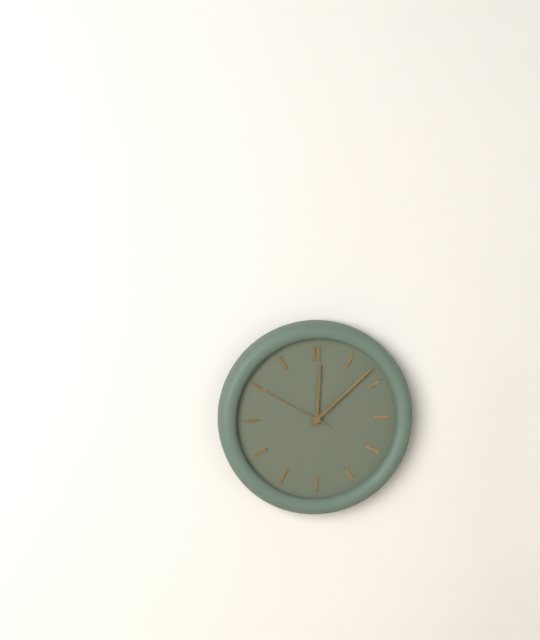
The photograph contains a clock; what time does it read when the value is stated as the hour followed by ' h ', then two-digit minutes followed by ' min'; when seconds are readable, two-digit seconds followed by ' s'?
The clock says 12 h 08 min 50 s
